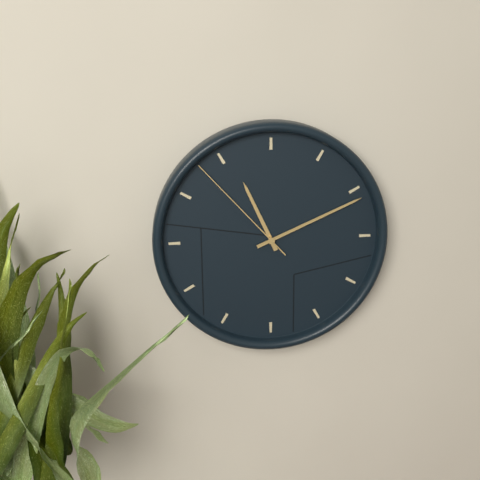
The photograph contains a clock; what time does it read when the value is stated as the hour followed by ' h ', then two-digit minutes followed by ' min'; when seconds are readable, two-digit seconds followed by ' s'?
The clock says 11 h 11 min 53 s
